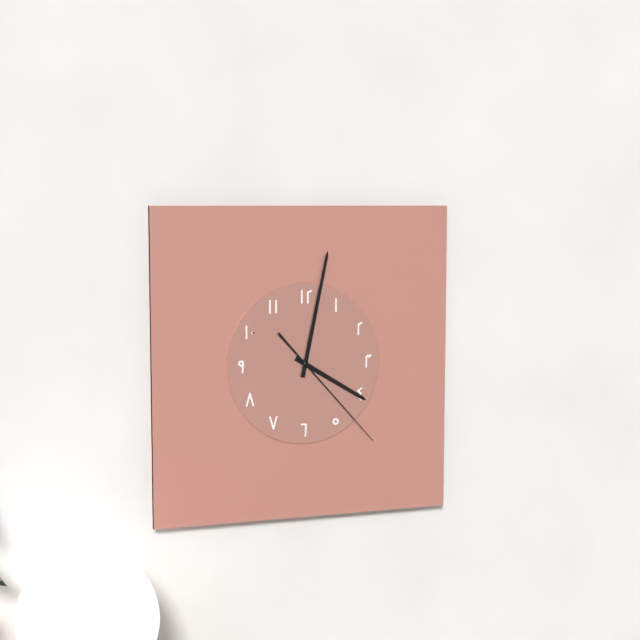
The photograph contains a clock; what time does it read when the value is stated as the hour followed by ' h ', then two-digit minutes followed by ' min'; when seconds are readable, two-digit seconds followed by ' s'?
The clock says 4 h 02 min 23 s
